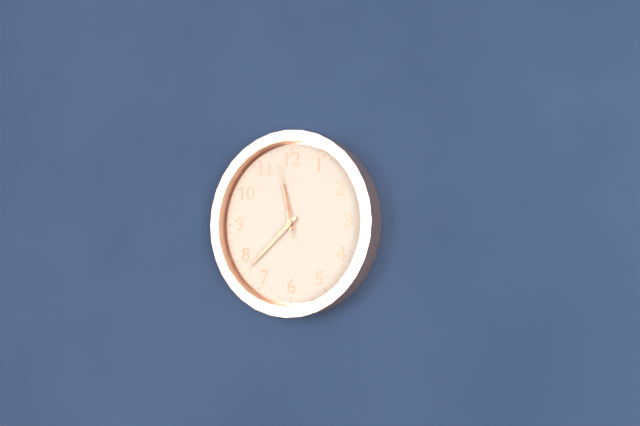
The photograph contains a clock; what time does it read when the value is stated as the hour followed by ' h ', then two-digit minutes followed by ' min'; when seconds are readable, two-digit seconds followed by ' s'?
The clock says 11 h 38 min 58 s
